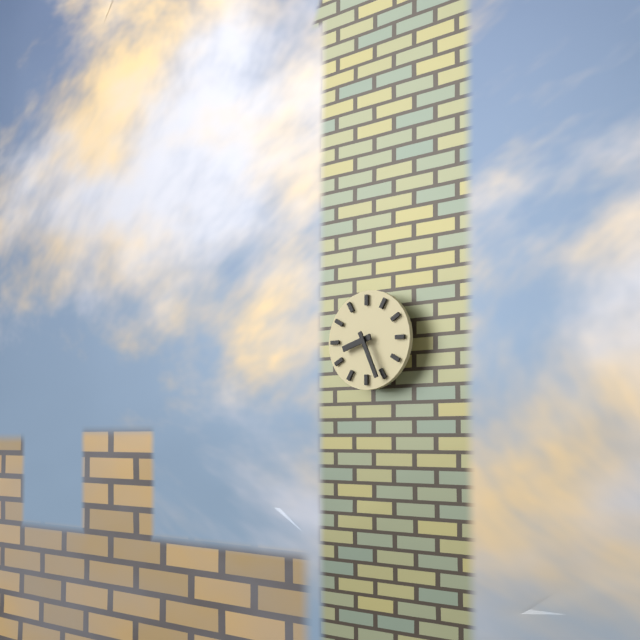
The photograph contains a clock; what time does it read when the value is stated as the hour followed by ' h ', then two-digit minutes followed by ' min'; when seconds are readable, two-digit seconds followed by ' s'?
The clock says 8 h 26 min
